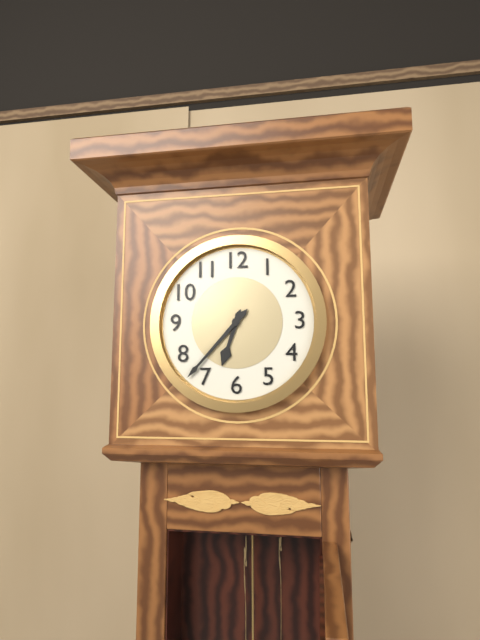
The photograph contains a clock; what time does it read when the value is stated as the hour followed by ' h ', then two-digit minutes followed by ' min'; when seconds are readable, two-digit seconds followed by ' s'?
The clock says 6 h 37 min
